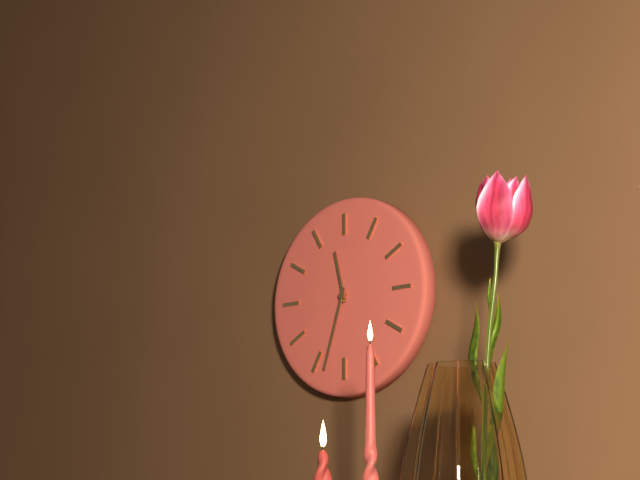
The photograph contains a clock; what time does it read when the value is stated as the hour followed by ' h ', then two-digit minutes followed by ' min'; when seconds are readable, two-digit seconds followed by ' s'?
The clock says 11 h 33 min
